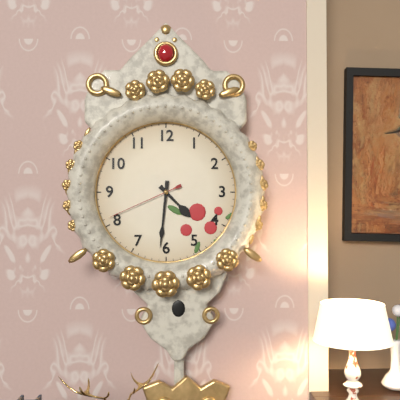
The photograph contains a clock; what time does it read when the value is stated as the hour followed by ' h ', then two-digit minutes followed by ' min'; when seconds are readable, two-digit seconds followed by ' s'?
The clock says 4 h 31 min 41 s
